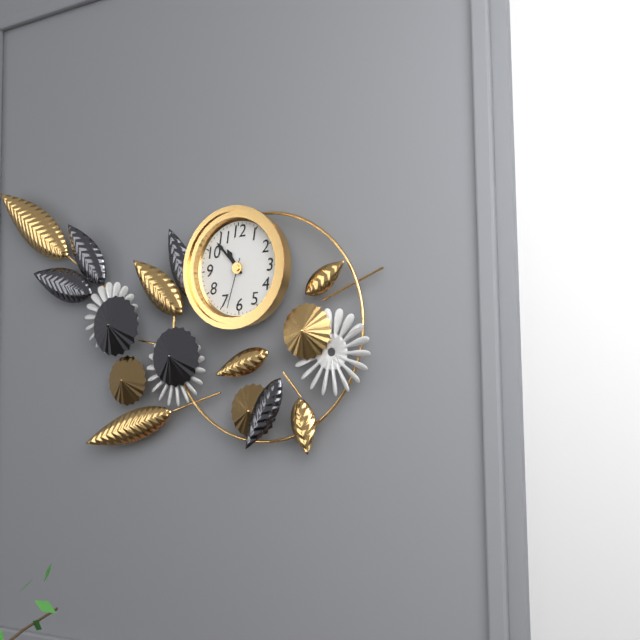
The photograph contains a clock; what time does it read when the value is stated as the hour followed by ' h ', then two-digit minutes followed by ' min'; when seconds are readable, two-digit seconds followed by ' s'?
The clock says 10 h 53 min 33 s
